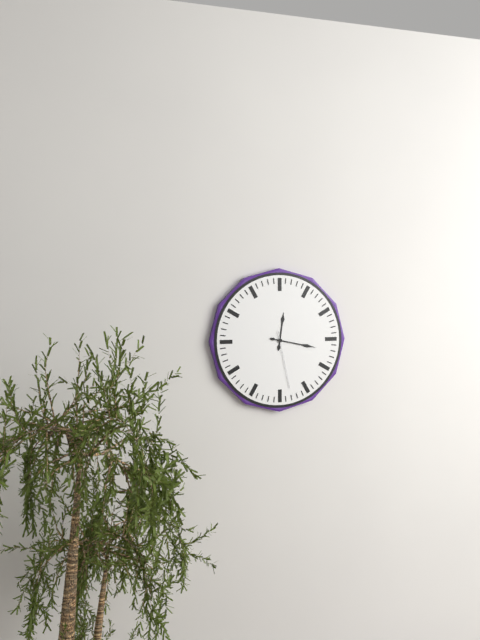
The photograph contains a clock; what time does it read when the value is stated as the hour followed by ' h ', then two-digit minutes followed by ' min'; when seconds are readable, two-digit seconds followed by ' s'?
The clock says 12 h 17 min 28 s
